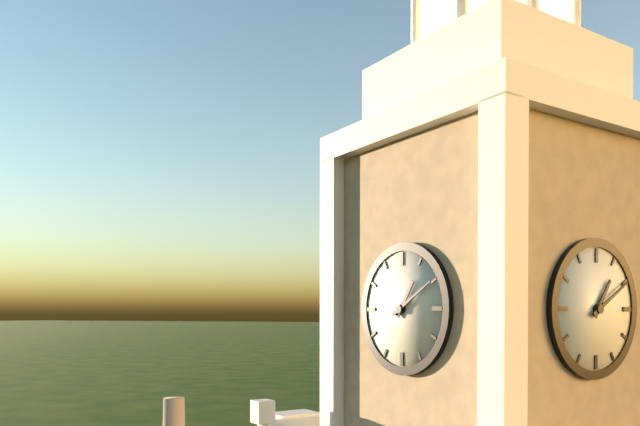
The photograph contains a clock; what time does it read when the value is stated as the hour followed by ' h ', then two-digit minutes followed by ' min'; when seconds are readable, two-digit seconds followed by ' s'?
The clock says 1 h 10 min
